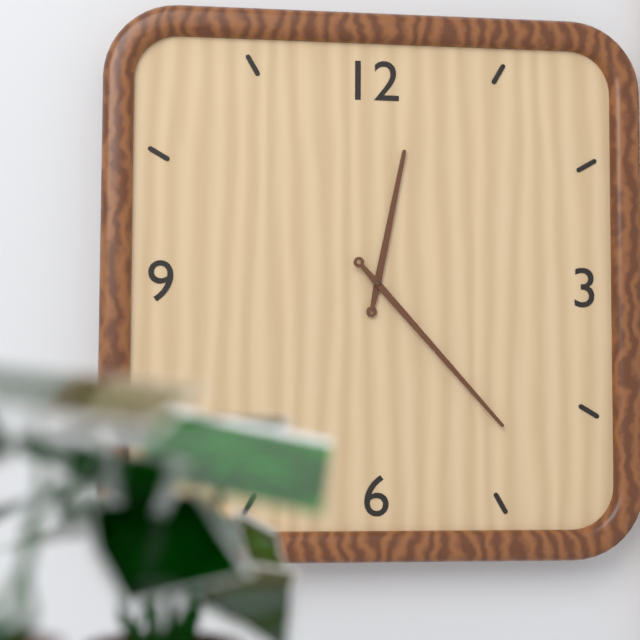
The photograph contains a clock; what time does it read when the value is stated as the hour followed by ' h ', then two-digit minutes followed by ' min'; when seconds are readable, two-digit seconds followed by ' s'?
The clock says 12 h 23 min
